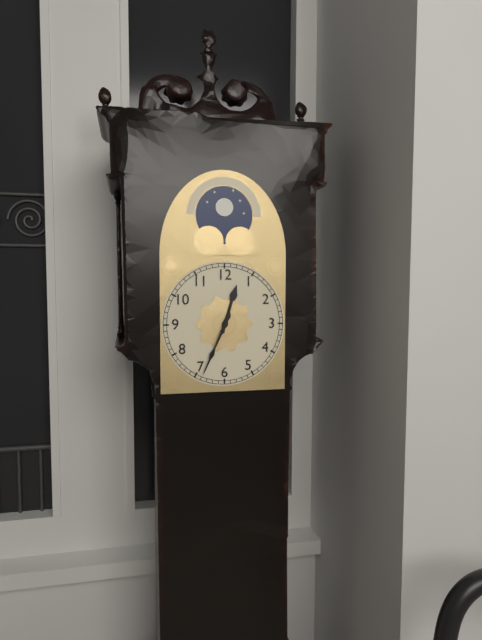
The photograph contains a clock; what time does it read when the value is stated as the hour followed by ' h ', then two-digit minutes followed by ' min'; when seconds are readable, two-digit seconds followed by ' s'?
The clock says 12 h 34 min
